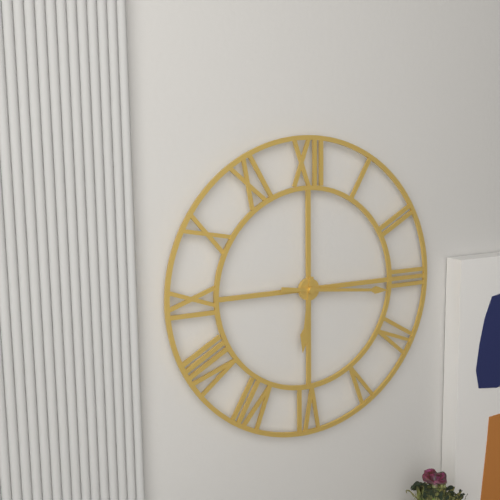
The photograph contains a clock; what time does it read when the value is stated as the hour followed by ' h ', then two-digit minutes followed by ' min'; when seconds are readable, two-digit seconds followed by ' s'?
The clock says 6 h 16 min
